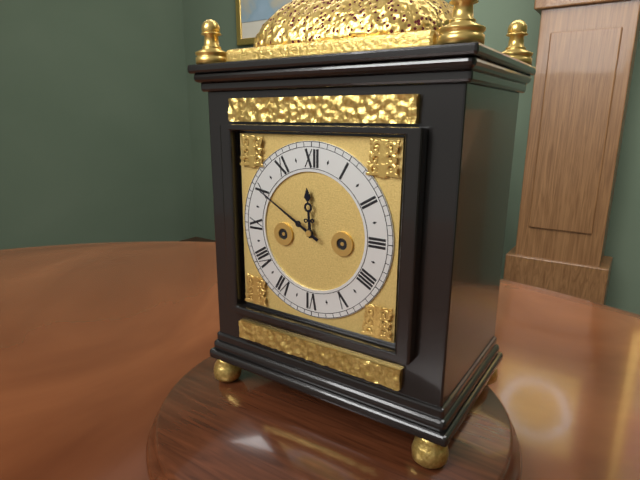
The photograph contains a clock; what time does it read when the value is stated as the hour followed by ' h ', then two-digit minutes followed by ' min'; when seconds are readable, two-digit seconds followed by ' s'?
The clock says 11 h 50 min
